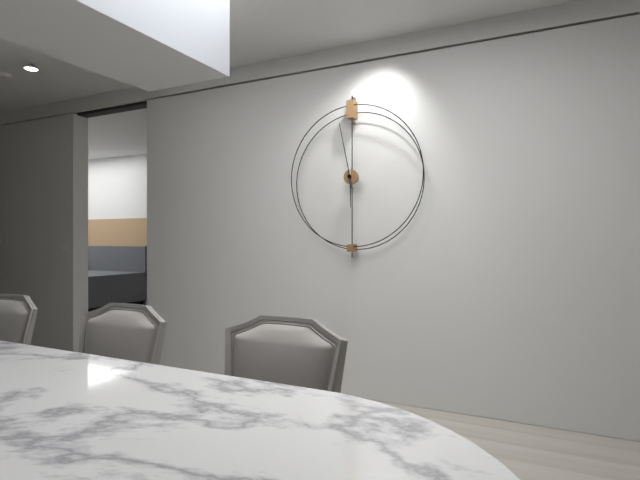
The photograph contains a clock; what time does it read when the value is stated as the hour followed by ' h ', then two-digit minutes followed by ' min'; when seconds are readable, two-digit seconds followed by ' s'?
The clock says 5 h 58 min
